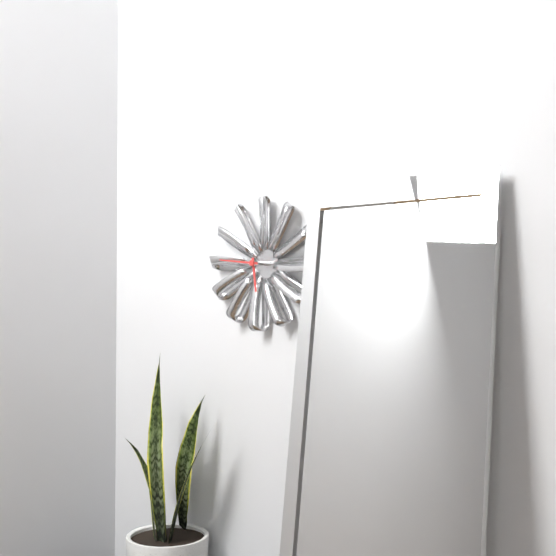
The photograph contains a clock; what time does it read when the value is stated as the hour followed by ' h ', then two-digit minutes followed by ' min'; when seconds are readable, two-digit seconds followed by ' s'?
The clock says 5 h 46 min
